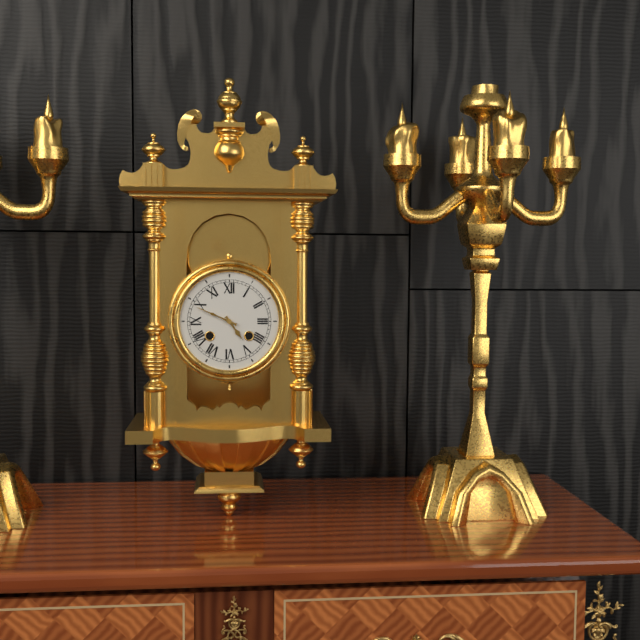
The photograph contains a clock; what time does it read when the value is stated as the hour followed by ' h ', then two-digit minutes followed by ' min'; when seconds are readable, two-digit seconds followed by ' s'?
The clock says 4 h 49 min
